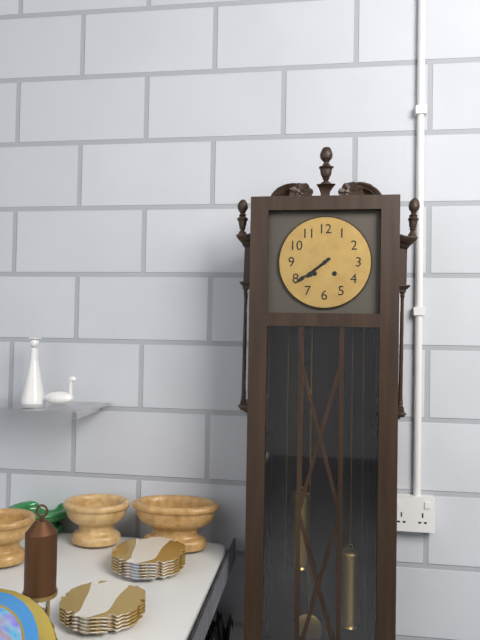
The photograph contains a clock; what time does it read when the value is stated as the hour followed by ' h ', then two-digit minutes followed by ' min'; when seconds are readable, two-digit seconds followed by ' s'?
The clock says 7 h 39 min
